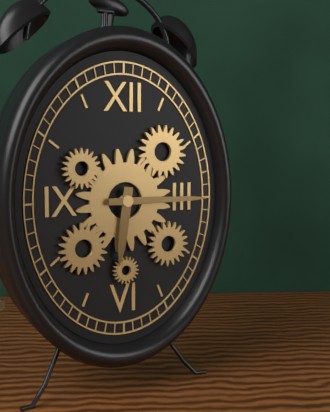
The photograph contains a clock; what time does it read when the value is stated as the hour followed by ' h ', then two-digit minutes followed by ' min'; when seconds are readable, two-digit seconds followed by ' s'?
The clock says 6 h 15 min
